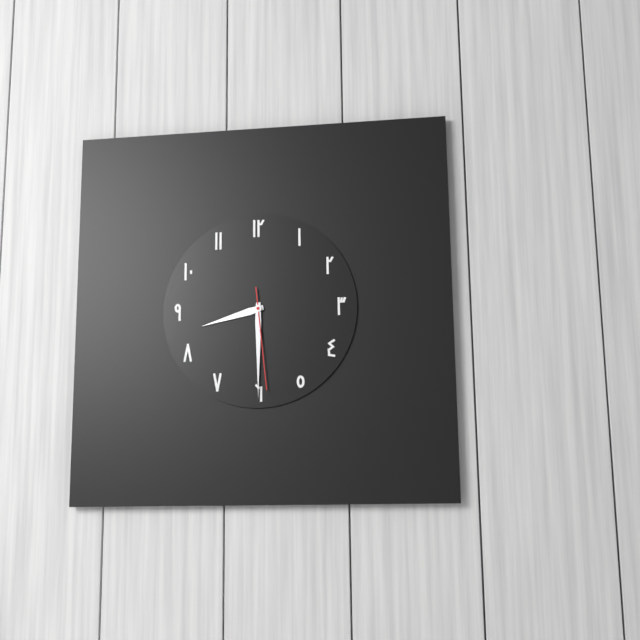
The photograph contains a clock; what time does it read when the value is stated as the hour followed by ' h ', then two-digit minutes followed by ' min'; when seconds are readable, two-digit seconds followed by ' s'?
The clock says 8 h 30 min 29 s
